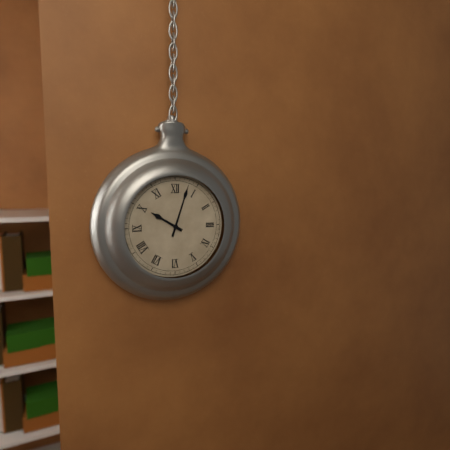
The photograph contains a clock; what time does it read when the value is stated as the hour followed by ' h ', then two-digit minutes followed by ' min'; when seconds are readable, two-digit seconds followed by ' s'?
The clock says 10 h 03 min
